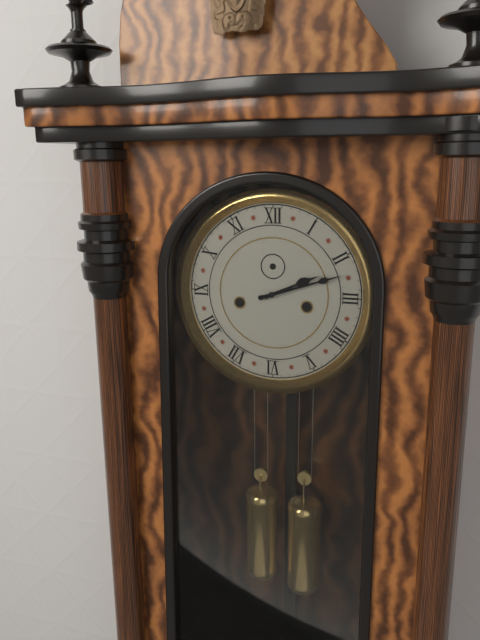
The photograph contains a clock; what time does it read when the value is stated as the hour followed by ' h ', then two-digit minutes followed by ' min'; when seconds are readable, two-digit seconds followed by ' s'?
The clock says 2 h 12 min
